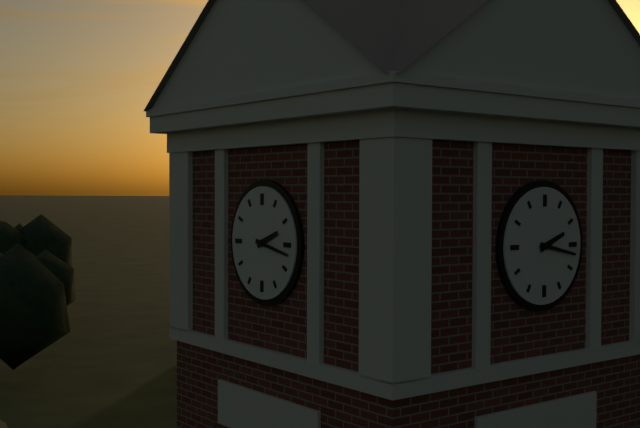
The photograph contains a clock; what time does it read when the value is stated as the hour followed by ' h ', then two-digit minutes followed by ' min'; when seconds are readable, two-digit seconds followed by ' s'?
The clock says 2 h 17 min
